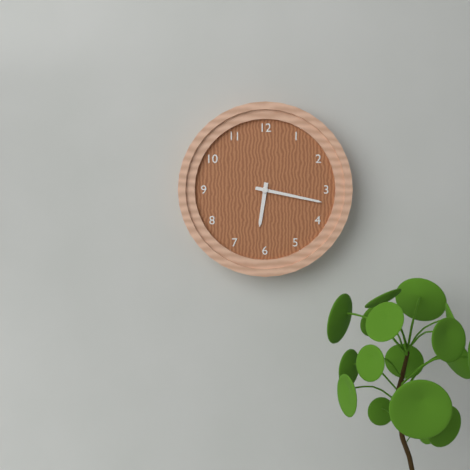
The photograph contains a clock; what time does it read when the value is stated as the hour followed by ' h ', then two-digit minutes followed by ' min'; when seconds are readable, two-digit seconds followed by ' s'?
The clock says 6 h 17 min
